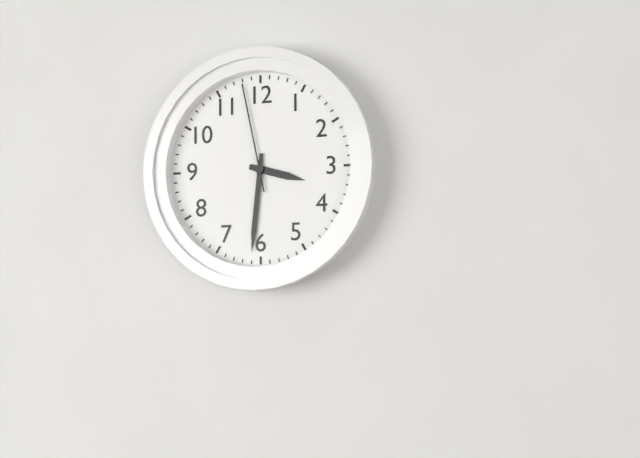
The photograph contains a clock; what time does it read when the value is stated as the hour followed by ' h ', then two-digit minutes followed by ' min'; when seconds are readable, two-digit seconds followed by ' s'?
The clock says 3 h 31 min 58 s
